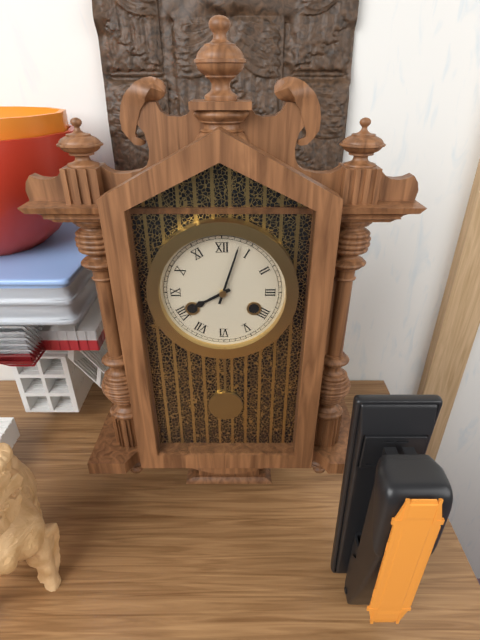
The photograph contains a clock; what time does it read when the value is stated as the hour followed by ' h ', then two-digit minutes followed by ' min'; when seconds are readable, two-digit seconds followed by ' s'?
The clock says 8 h 03 min
